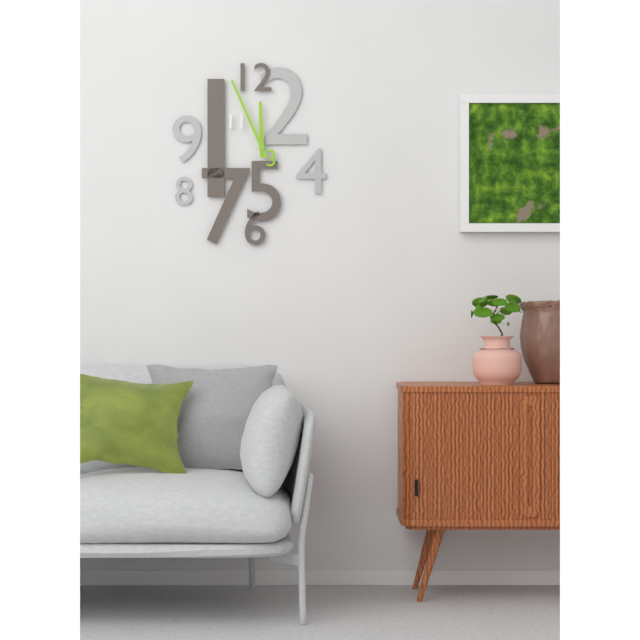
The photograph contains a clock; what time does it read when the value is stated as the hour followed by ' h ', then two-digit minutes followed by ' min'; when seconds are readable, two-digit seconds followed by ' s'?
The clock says 11 h 56 min
